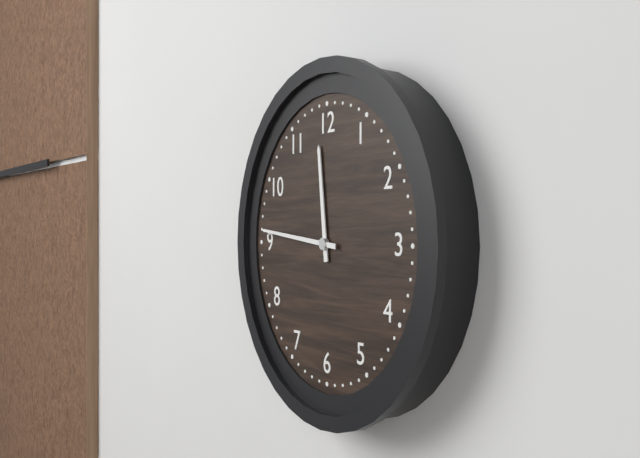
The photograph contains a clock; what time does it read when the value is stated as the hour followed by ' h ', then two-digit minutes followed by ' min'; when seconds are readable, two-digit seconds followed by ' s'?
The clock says 11 h 46 min
